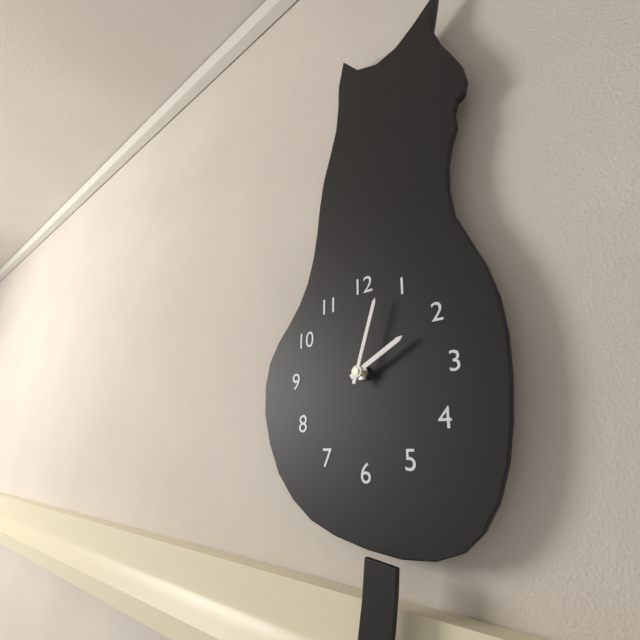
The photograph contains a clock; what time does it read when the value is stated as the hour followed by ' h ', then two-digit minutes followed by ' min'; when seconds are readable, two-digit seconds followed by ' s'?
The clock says 2 h 03 min
